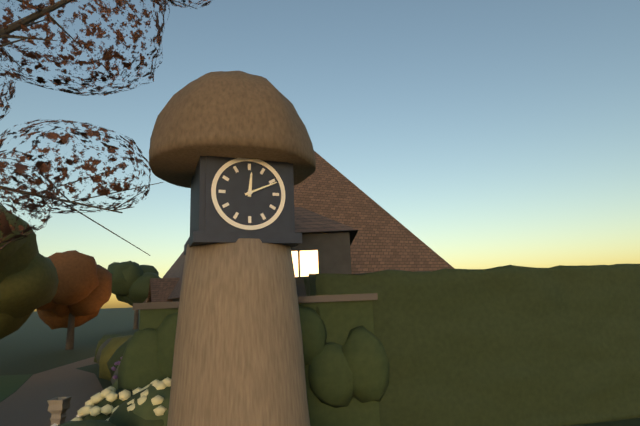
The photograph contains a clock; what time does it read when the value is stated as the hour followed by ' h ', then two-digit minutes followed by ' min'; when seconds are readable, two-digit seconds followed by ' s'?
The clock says 12 h 11 min
